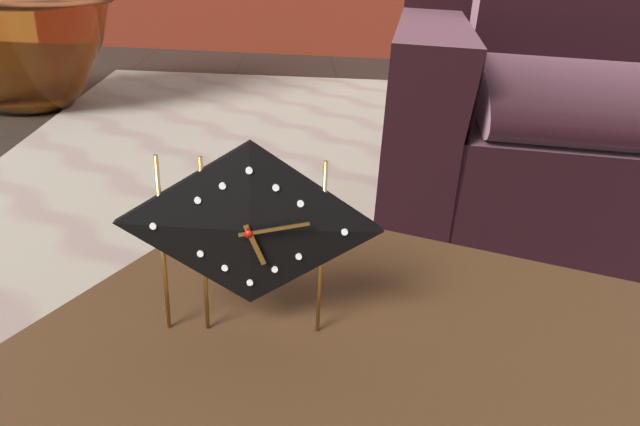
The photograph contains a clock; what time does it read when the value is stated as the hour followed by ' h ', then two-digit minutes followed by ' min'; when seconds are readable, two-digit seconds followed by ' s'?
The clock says 5 h 13 min
